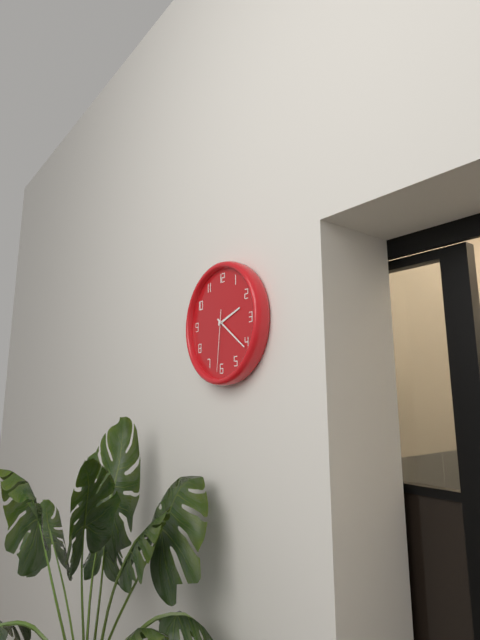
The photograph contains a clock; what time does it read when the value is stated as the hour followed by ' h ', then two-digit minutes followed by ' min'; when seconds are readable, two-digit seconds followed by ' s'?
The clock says 2 h 21 min 31 s
